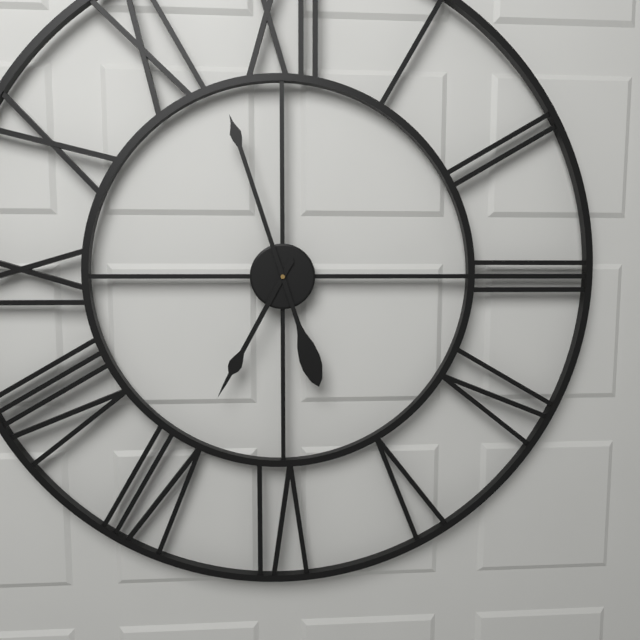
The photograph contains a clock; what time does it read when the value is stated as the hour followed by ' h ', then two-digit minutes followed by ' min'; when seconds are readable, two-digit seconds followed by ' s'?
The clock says 6 h 57 min
